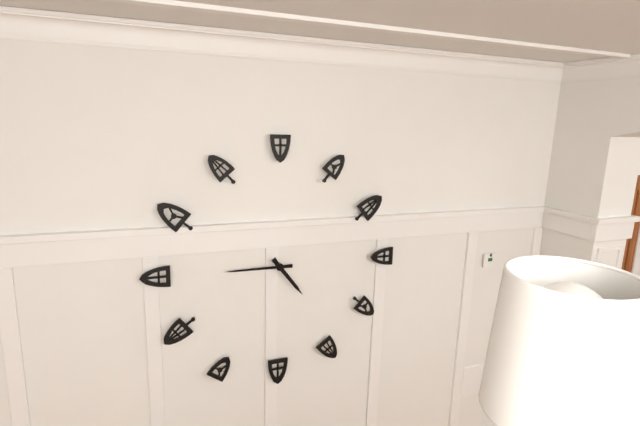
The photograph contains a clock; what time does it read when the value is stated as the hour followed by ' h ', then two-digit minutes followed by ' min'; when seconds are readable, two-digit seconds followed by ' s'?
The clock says 4 h 45 min
